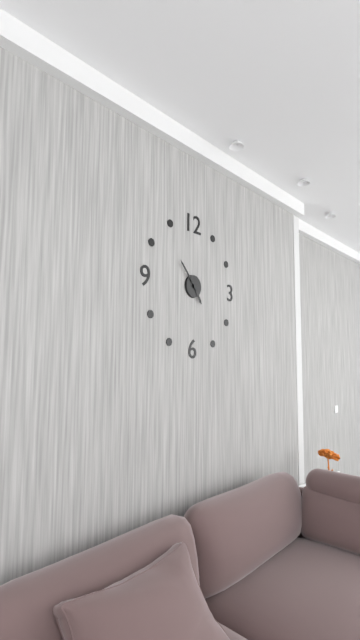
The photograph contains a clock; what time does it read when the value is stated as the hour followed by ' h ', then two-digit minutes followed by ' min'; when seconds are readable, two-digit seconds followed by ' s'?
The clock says 4 h 53 min
